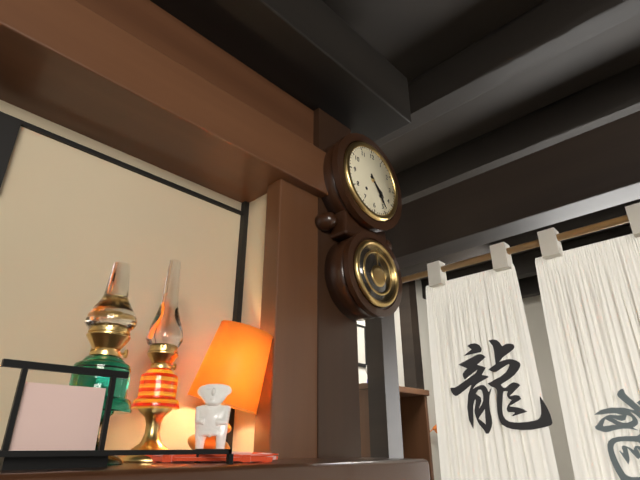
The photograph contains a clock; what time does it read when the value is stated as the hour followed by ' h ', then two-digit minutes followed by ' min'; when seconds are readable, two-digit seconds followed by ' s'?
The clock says 4 h 24 min
